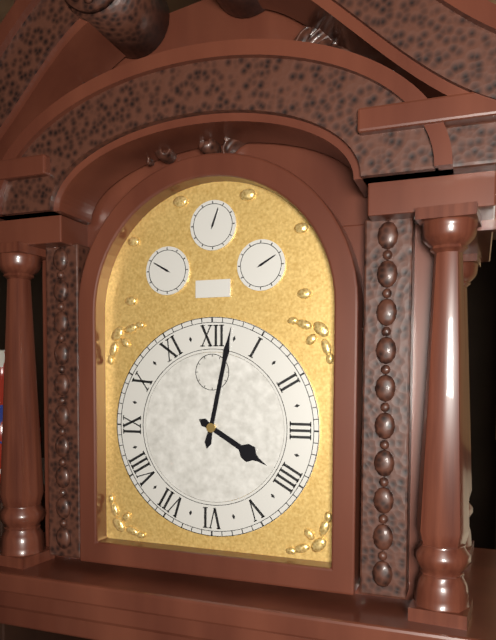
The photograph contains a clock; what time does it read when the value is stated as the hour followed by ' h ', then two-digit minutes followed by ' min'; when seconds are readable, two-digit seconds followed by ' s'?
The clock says 4 h 02 min
